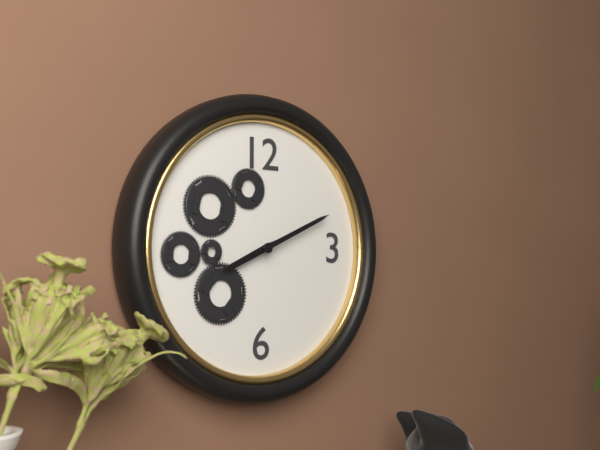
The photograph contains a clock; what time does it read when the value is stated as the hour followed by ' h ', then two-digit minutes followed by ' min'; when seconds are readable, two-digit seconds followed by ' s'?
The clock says 8 h 11 min
